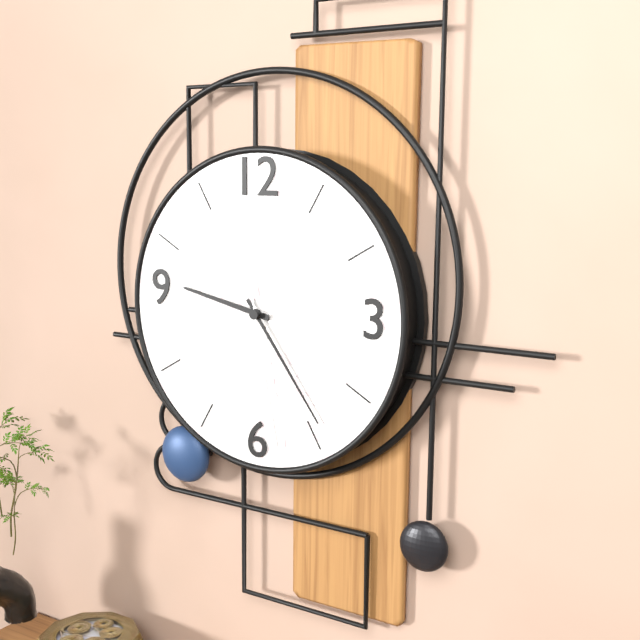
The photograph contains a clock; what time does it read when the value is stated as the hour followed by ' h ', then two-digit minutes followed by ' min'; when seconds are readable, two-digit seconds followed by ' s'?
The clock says 9 h 24 min 28 s
